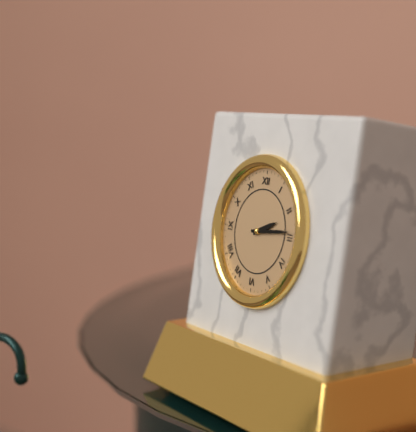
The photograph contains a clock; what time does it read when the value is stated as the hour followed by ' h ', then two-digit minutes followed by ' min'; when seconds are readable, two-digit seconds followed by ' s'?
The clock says 2 h 14 min
